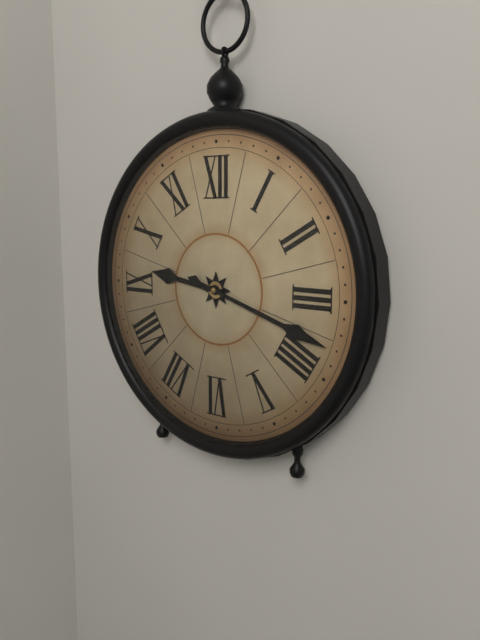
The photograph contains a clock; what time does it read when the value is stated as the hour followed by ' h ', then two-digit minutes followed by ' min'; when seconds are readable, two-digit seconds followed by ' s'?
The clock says 9 h 18 min
